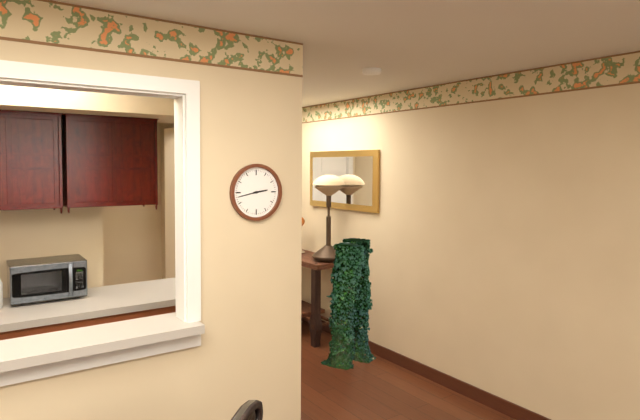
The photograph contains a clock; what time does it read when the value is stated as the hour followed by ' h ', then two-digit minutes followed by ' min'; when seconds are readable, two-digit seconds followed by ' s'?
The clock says 2 h 43 min
